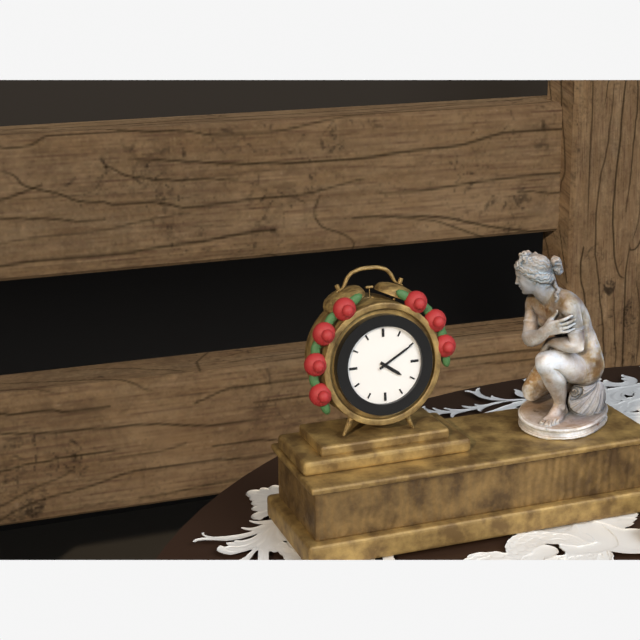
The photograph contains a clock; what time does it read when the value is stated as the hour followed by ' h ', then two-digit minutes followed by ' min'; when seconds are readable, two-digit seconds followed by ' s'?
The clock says 4 h 10 min
